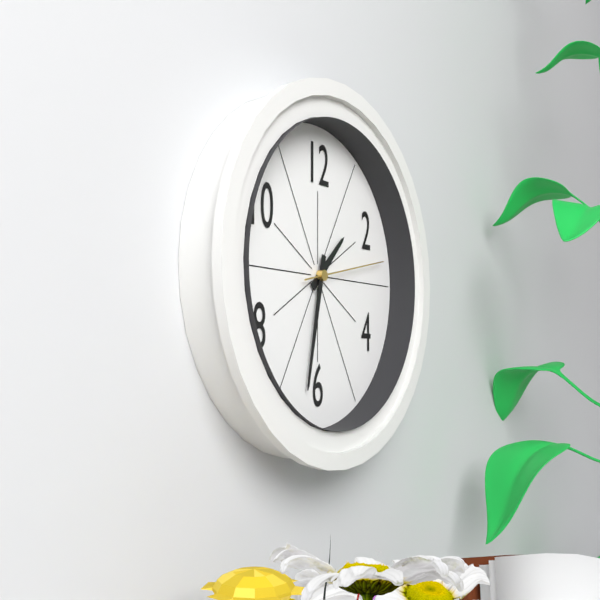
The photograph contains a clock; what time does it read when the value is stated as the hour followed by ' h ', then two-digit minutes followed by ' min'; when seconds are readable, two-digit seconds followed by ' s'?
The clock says 1 h 32 min 13 s
